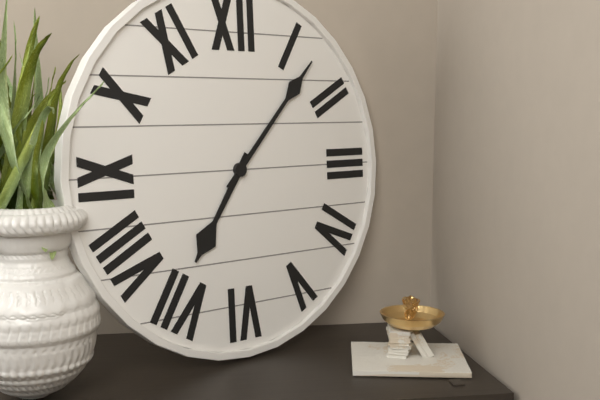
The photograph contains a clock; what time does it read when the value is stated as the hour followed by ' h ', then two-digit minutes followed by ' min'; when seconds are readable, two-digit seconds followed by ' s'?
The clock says 7 h 07 min
